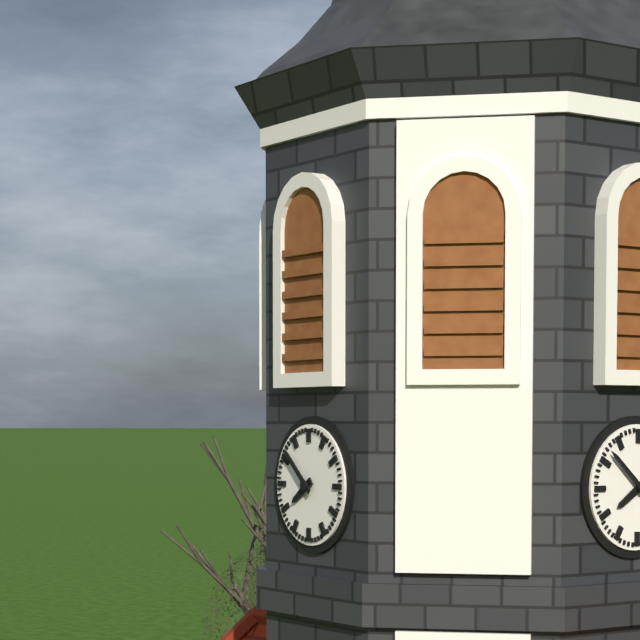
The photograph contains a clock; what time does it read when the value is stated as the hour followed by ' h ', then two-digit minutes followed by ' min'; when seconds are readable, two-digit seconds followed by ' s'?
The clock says 7 h 52 min
